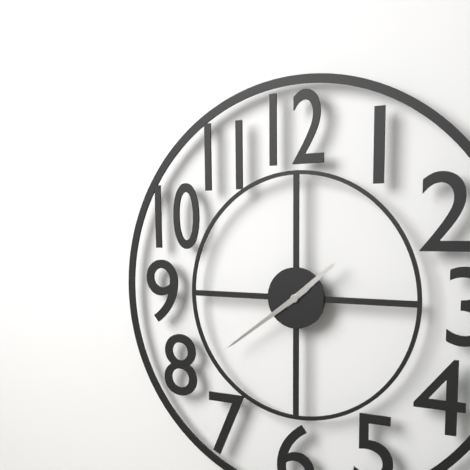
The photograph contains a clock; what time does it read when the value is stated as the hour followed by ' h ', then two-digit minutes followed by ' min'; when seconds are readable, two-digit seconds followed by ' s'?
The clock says 1 h 39 min
